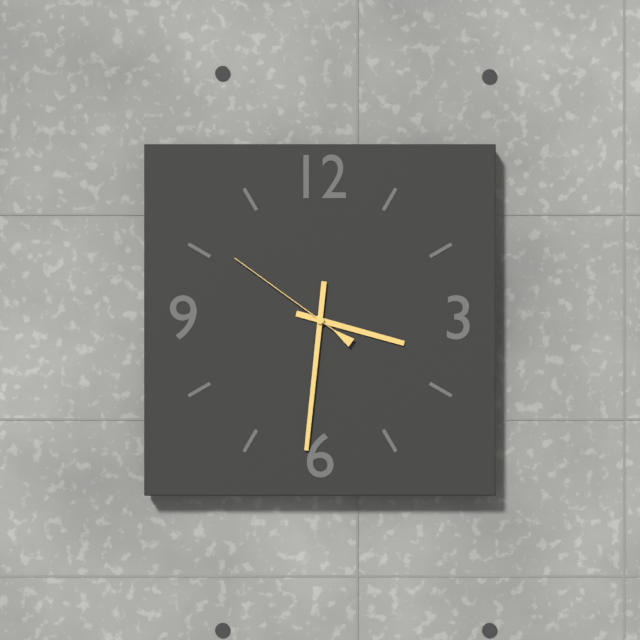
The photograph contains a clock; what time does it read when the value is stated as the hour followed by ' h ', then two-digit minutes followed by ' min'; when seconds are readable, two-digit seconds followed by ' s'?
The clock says 3 h 31 min 51 s
